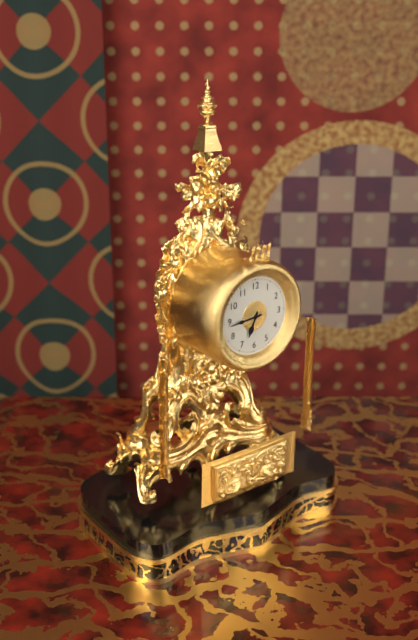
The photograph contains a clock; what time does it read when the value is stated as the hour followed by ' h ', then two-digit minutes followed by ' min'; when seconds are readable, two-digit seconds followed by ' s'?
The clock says 6 h 44 min
